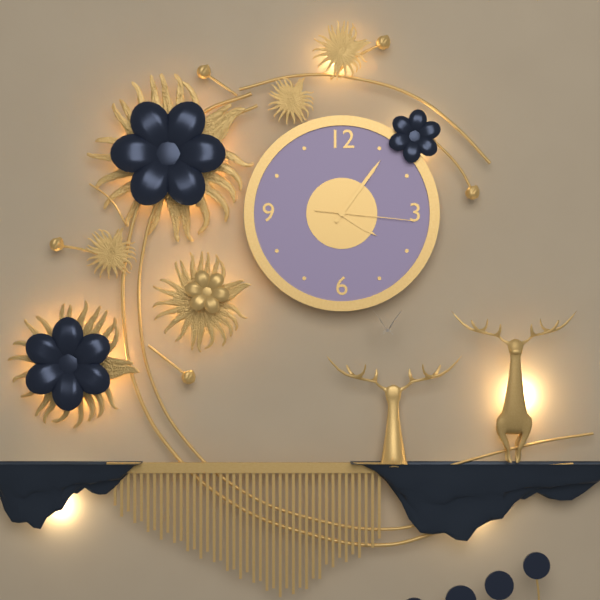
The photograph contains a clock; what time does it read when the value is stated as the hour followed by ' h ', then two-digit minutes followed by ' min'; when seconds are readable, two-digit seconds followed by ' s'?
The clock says 4 h 06 min 16 s
